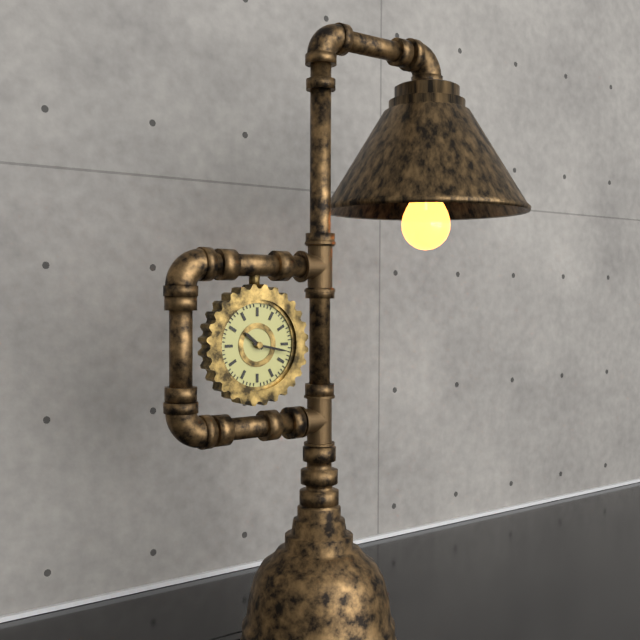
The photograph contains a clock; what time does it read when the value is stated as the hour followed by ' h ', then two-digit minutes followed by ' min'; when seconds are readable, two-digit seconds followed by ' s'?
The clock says 10 h 17 min
